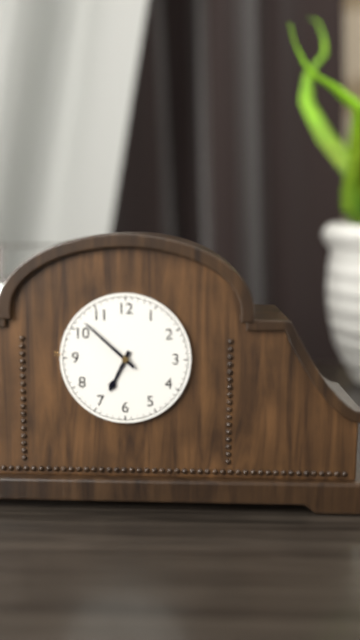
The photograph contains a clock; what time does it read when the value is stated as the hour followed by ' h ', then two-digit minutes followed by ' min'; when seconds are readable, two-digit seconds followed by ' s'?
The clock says 6 h 52 min
